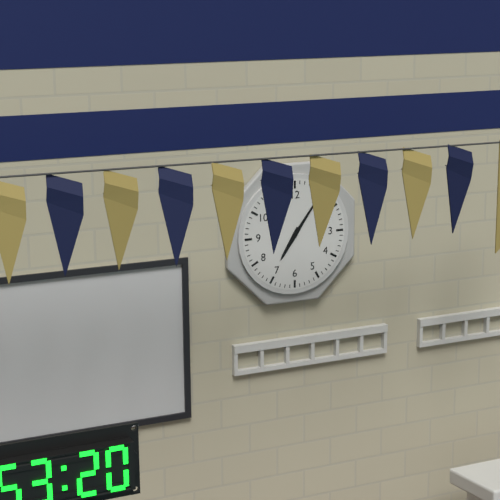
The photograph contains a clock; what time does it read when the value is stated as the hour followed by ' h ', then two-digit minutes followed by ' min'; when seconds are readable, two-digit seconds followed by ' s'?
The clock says 7 h 06 min
